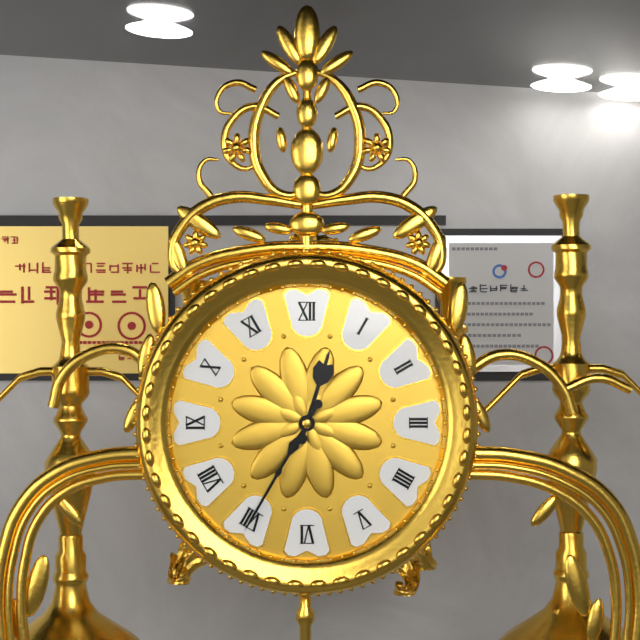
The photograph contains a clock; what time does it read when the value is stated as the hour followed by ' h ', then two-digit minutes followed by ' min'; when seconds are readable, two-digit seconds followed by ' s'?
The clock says 12 h 35 min
